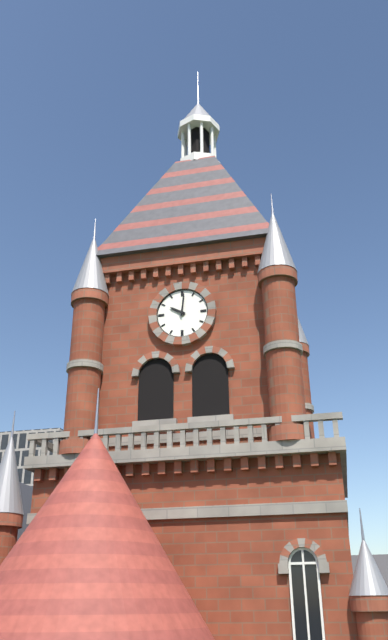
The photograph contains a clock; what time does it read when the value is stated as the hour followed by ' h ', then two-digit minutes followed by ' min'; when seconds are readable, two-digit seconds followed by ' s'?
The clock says 10 h 01 min
